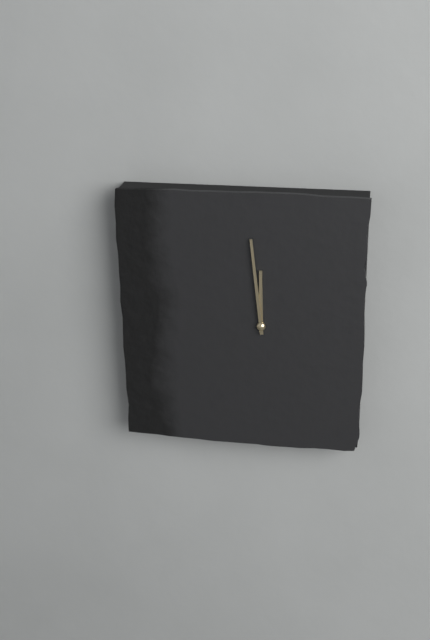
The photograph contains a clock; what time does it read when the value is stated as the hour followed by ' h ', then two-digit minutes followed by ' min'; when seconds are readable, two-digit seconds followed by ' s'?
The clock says 11 h 59 min
